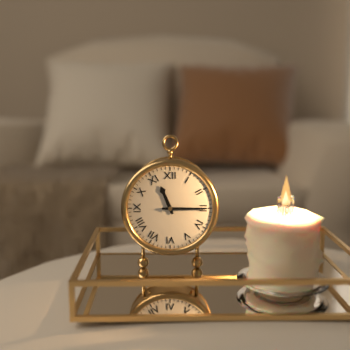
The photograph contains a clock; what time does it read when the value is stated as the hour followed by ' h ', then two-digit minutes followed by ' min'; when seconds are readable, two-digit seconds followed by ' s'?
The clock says 11 h 15 min
